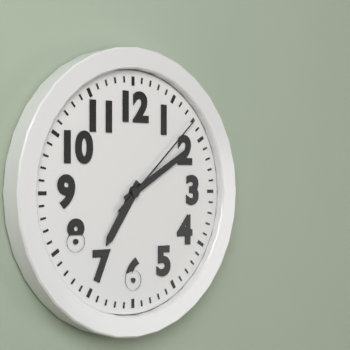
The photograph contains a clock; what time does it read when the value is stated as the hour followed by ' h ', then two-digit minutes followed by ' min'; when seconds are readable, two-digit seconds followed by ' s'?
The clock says 7 h 10 min 08 s
